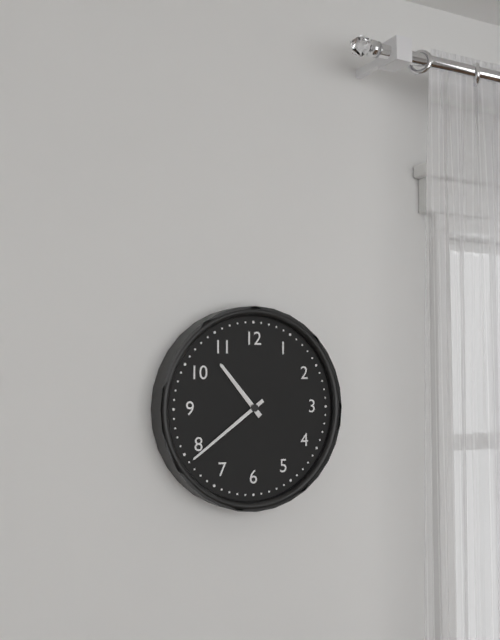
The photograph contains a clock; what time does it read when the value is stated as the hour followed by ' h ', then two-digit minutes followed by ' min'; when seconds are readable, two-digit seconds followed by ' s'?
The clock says 10 h 39 min
